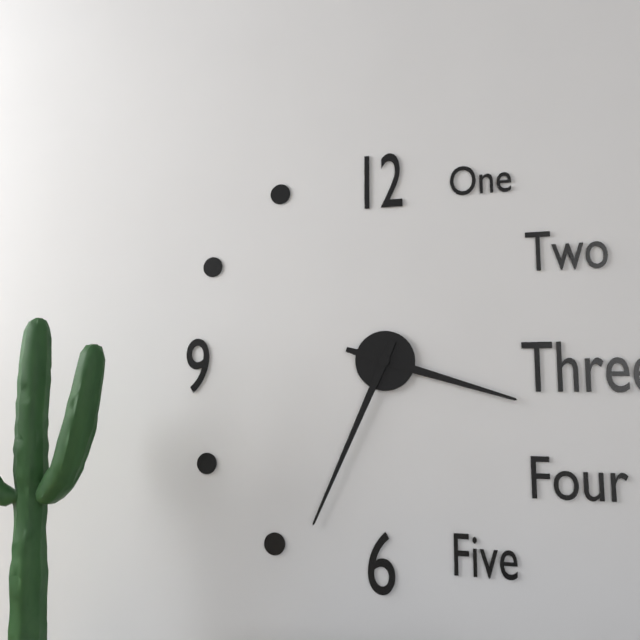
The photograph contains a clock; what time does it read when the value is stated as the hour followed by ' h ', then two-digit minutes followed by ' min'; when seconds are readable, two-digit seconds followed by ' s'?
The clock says 3 h 34 min
